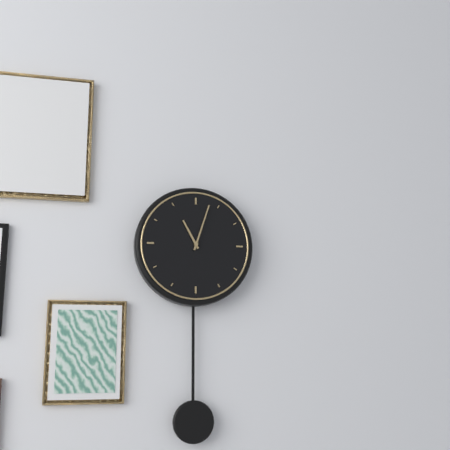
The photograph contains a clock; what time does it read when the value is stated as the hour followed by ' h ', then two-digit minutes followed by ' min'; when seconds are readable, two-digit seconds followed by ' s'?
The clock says 11 h 03 min
